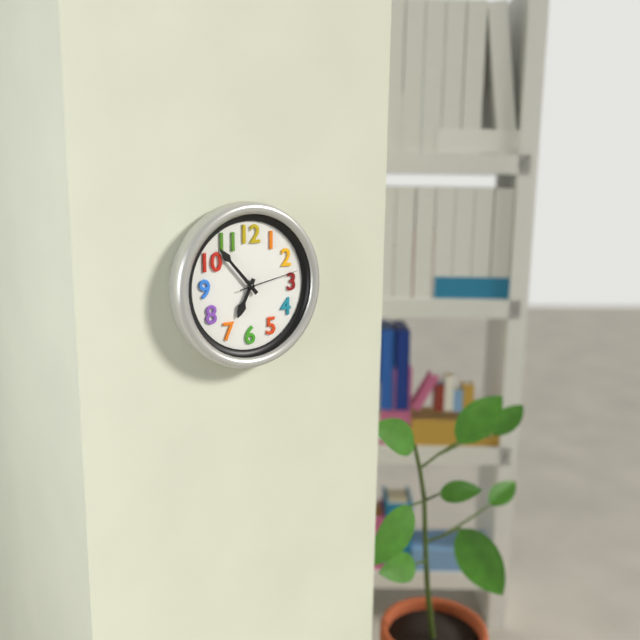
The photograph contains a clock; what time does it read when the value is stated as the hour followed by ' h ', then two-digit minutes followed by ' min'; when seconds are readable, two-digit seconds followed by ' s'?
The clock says 6 h 53 min 13 s
